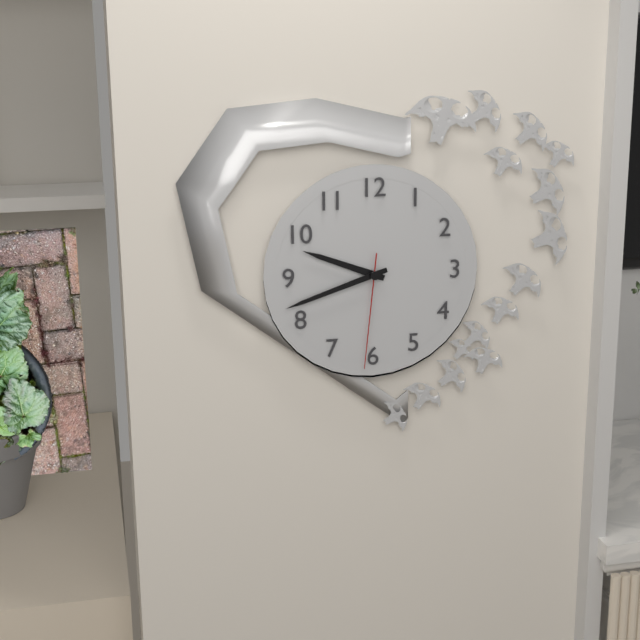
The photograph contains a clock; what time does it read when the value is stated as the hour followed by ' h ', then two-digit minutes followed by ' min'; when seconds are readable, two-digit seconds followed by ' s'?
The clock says 9 h 42 min 31 s
